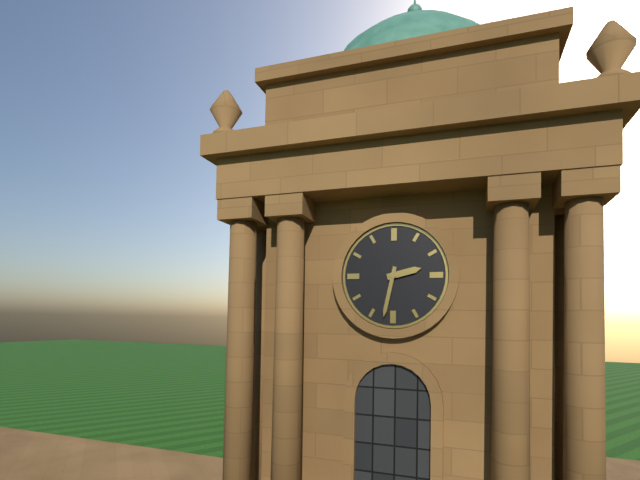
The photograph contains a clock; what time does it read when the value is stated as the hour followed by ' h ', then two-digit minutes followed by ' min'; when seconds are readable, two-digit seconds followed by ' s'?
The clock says 2 h 32 min
